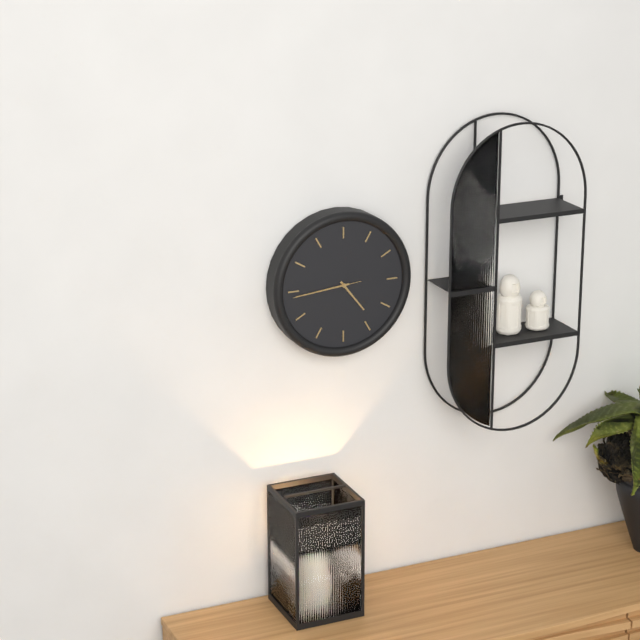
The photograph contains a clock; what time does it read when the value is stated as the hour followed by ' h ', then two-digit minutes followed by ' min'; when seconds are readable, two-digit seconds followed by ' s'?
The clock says 4 h 44 min 44 s
